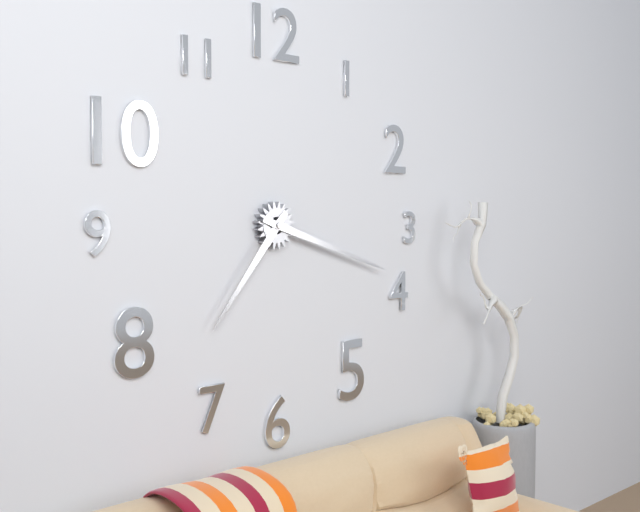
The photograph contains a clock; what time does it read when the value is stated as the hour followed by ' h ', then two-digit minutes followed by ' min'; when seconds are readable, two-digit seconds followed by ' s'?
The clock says 7 h 18 min
